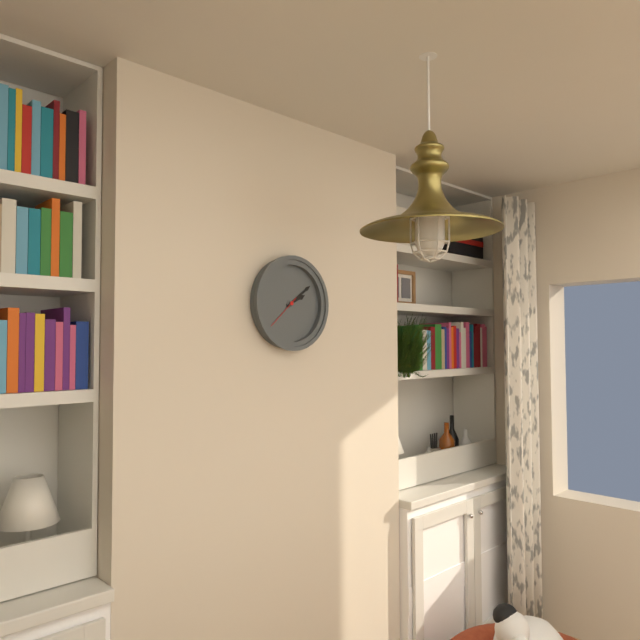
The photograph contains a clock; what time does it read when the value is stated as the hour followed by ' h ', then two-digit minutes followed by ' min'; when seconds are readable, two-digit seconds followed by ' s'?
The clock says 2 h 09 min
